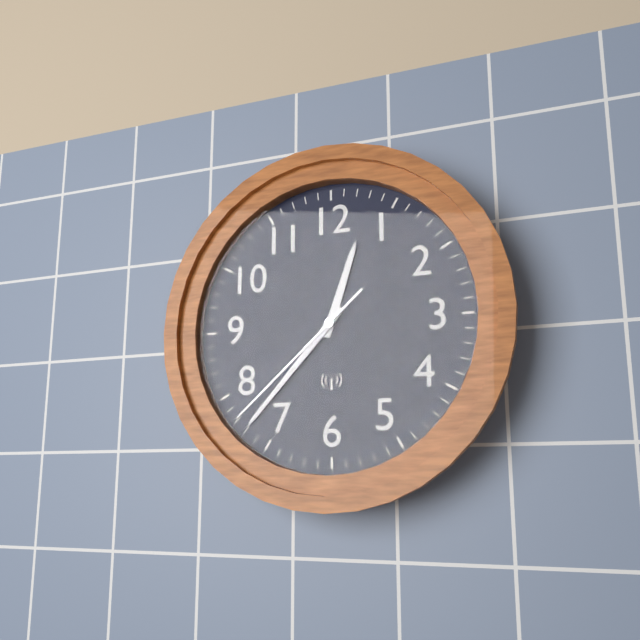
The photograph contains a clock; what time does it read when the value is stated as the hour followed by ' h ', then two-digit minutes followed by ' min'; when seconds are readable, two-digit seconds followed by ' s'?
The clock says 12 h 37 min 38 s
